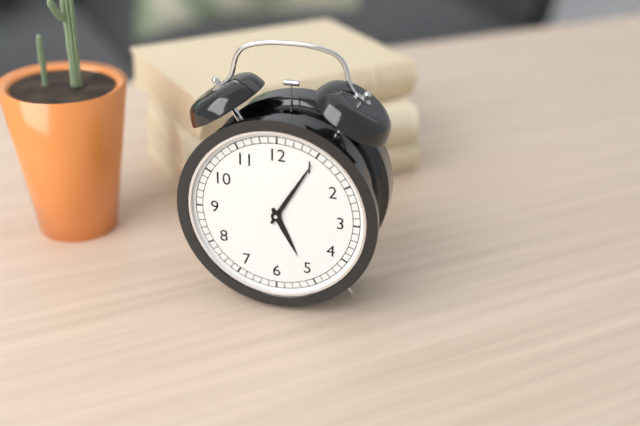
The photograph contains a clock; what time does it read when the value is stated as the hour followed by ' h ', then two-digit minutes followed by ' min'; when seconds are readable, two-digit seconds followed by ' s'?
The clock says 5 h 05 min
